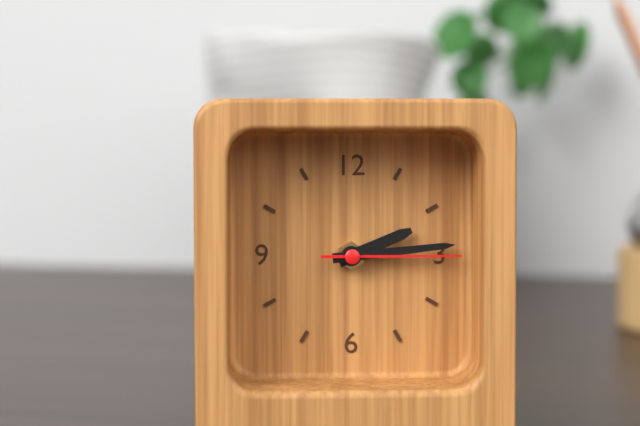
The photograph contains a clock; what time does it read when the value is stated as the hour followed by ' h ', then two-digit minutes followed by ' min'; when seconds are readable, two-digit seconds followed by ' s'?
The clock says 2 h 14 min 15 s
